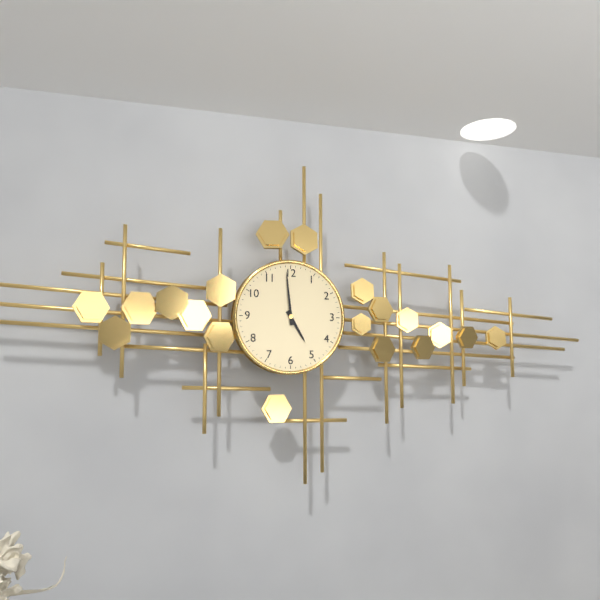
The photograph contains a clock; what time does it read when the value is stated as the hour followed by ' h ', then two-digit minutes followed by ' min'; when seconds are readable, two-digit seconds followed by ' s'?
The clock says 4 h 59 min
